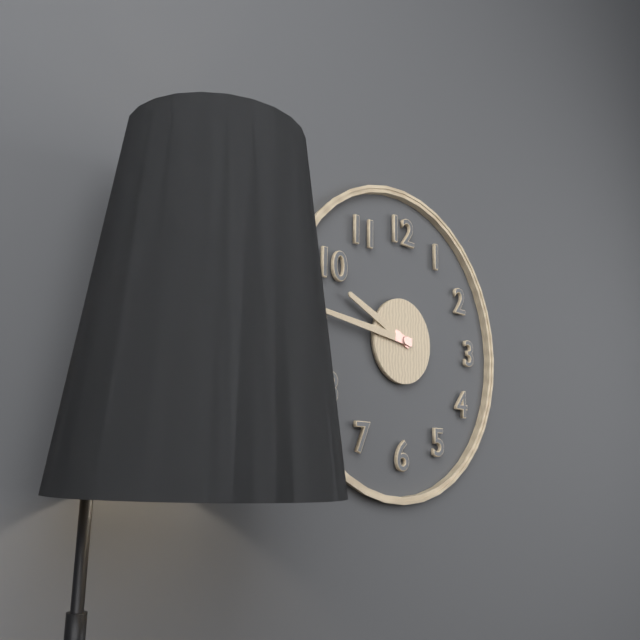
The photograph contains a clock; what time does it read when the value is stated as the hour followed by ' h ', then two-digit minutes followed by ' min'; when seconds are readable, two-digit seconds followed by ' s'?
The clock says 9 h 46 min
